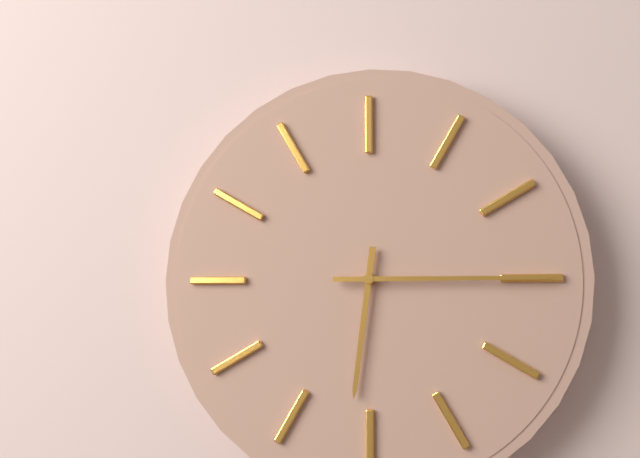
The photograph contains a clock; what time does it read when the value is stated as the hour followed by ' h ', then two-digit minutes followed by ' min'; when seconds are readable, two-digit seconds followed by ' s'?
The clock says 6 h 15 min
